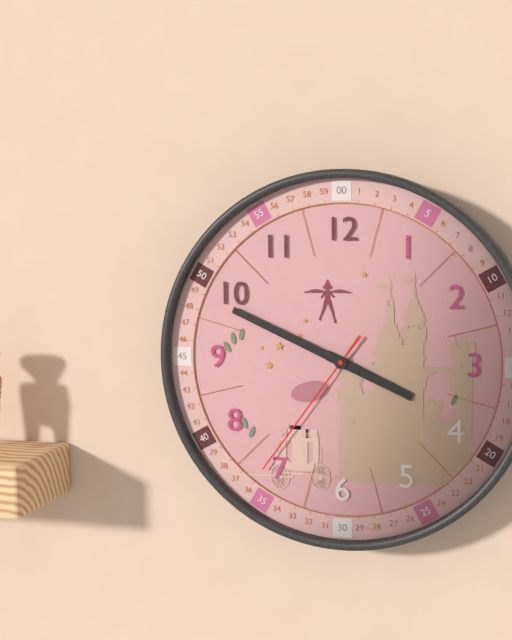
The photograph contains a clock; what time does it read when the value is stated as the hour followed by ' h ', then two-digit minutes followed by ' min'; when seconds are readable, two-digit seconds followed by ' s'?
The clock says 3 h 49 min 36 s
